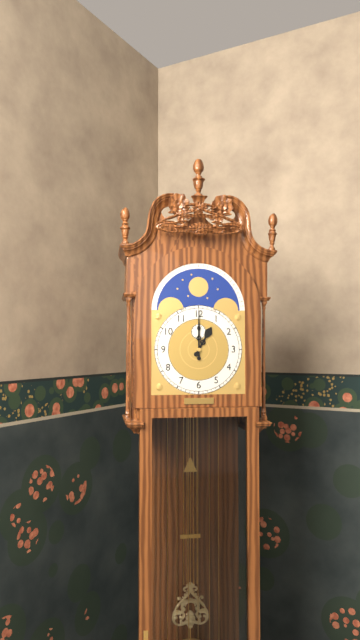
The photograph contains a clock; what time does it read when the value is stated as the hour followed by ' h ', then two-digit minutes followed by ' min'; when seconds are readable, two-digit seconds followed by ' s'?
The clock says 1 h 00 min
